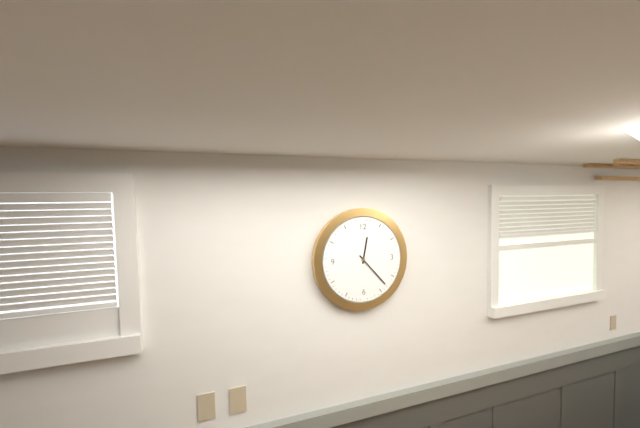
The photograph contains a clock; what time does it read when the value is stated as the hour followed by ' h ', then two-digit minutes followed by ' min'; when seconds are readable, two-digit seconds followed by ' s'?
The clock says 12 h 23 min
